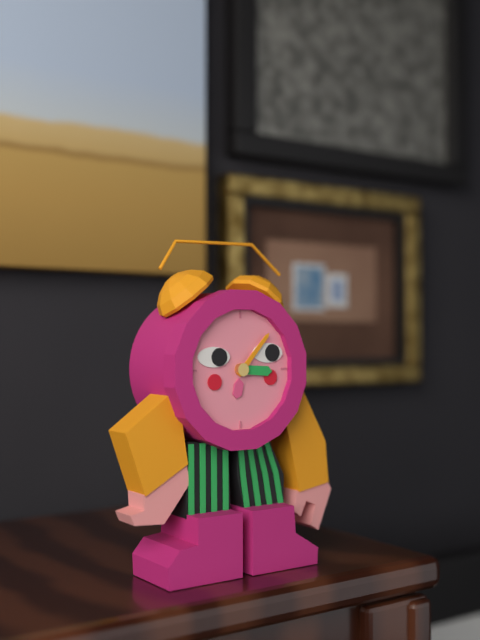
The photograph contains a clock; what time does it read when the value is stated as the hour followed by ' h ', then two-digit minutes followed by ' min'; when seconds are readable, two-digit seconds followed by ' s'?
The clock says 3 h 07 min
